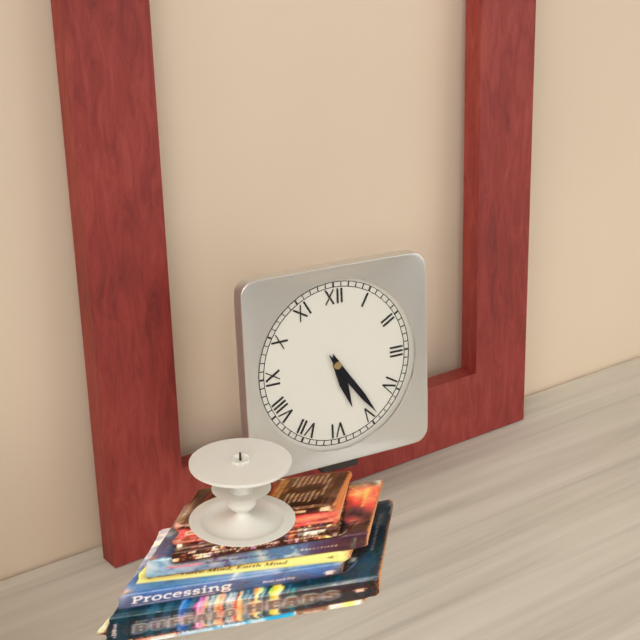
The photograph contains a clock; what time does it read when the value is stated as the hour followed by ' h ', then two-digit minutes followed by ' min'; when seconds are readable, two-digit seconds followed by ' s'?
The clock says 5 h 24 min
